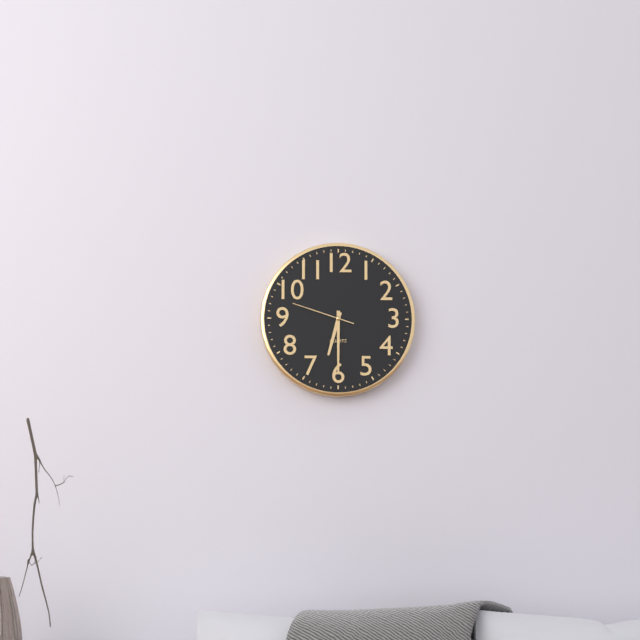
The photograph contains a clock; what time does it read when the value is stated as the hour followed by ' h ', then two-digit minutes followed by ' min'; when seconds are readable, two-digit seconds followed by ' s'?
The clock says 6 h 30 min 48 s
